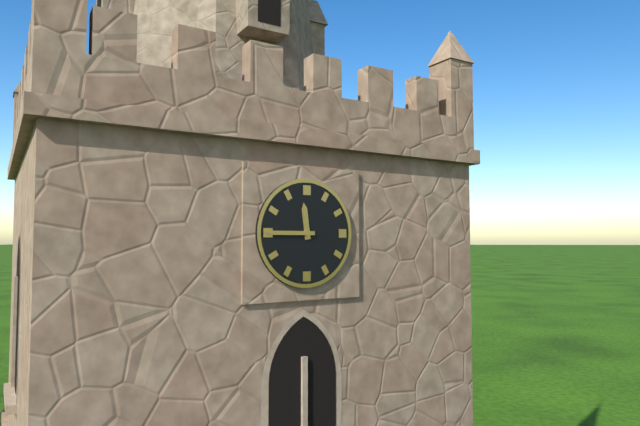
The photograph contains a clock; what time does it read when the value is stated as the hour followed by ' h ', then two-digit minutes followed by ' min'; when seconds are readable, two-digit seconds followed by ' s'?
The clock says 11 h 45 min
